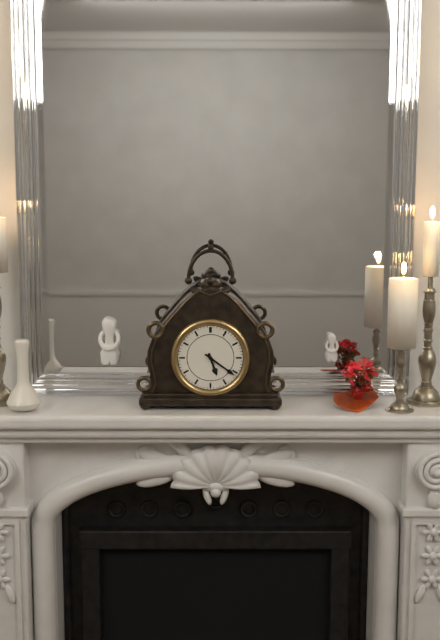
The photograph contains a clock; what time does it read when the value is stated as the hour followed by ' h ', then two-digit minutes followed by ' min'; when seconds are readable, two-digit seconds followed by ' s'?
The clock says 5 h 21 min
